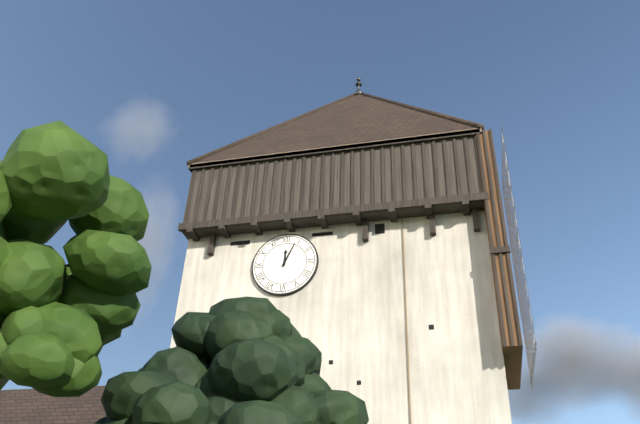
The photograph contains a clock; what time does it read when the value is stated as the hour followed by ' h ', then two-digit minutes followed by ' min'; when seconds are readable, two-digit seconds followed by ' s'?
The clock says 12 h 04 min
